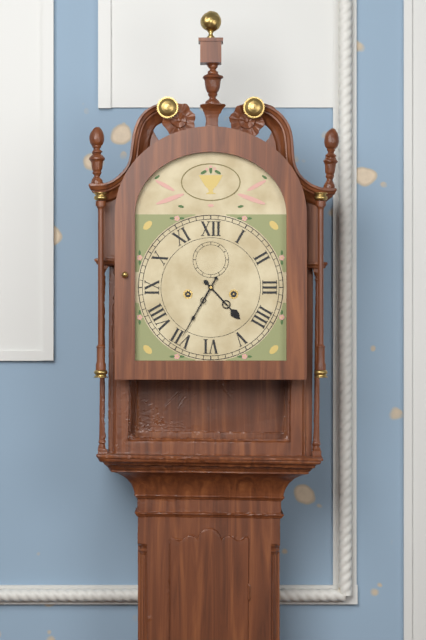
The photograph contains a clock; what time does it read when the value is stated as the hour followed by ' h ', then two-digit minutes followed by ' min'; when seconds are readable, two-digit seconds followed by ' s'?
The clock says 4 h 35 min
